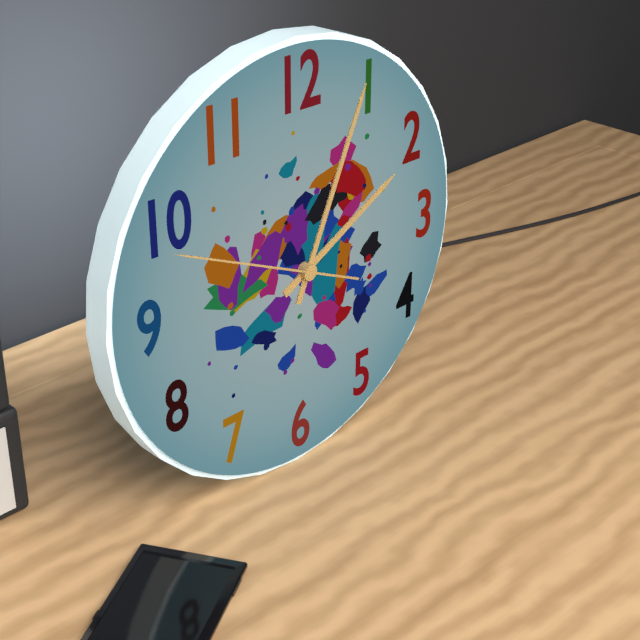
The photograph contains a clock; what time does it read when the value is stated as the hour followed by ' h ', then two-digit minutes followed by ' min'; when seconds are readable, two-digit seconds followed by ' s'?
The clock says 2 h 04 min 49 s
